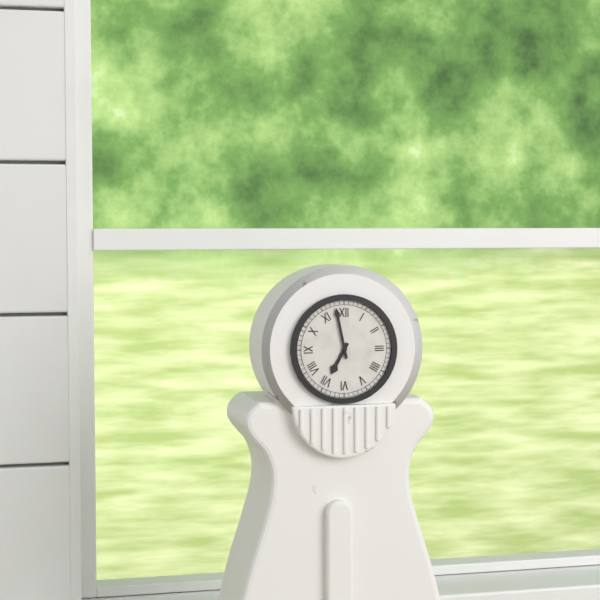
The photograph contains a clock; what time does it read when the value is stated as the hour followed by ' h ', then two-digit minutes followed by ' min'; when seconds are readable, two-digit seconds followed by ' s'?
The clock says 6 h 58 min
